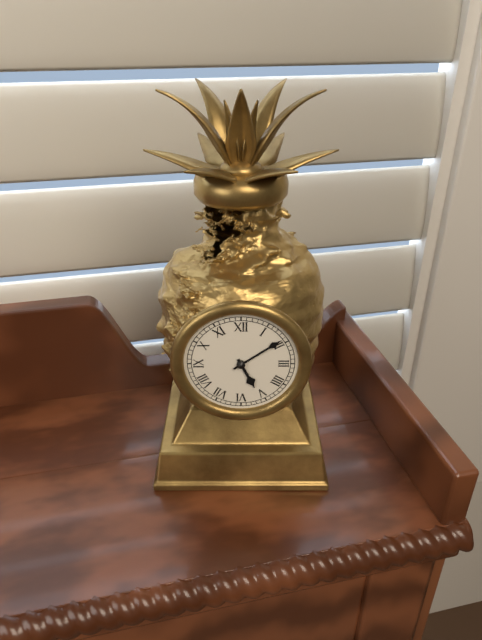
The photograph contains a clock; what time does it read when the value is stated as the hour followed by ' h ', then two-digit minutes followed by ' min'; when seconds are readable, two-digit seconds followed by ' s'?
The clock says 5 h 09 min
